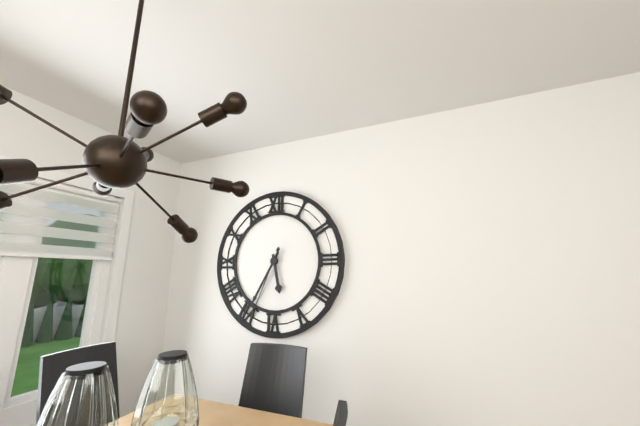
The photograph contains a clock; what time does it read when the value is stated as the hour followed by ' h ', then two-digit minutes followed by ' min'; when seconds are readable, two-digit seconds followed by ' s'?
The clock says 5 h 35 min 34 s
